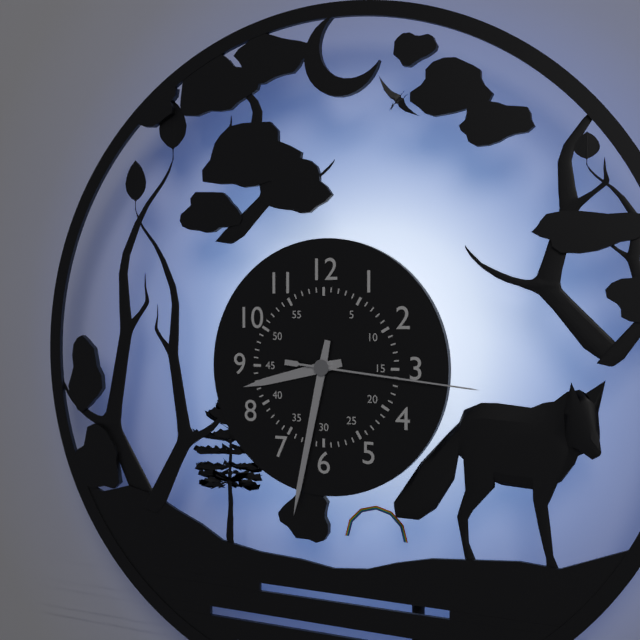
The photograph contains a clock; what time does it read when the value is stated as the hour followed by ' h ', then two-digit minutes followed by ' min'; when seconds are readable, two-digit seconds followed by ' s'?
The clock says 8 h 32 min 16 s
